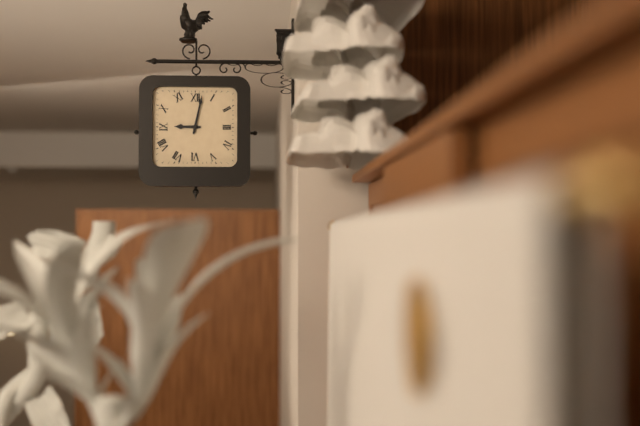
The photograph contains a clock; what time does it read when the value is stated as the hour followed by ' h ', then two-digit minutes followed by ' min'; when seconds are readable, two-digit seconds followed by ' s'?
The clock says 9 h 02 min
